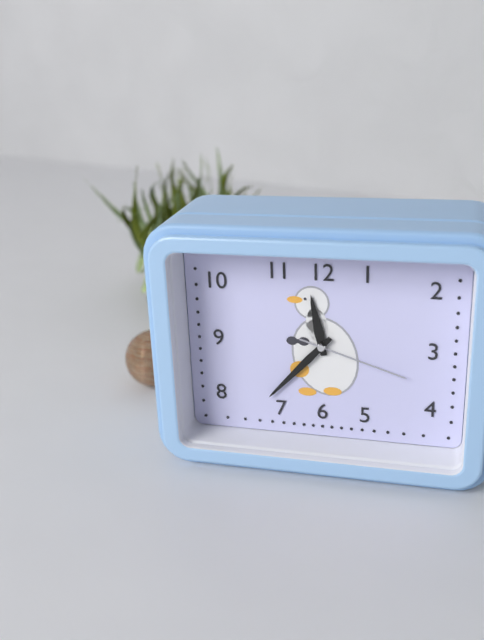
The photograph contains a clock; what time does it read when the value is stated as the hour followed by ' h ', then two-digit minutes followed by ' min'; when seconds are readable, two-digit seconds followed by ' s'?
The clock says 11 h 37 min 18 s
